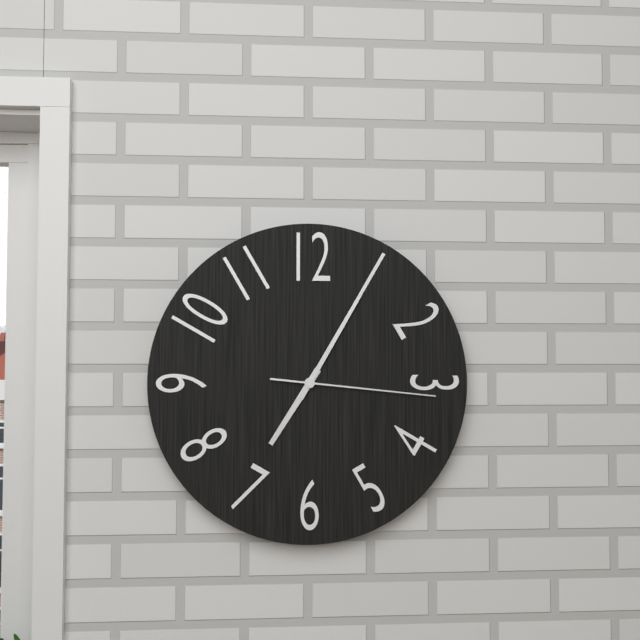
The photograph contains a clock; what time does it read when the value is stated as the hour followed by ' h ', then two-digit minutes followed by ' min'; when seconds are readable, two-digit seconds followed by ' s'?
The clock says 7 h 05 min 16 s
